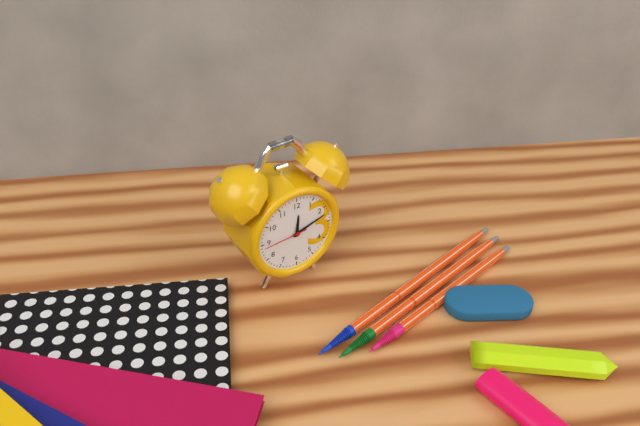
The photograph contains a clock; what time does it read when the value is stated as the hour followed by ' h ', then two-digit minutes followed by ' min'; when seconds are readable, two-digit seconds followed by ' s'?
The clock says 12 h 12 min
